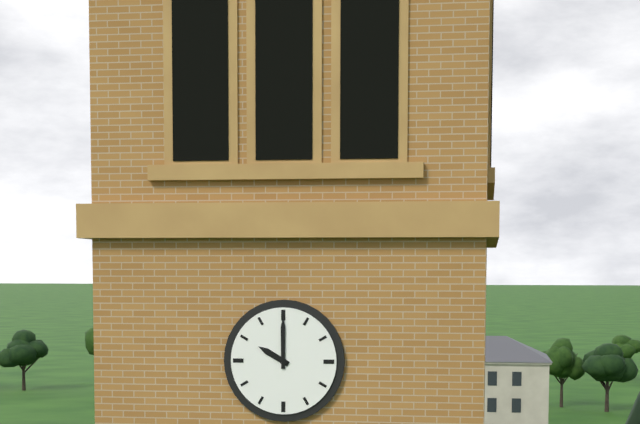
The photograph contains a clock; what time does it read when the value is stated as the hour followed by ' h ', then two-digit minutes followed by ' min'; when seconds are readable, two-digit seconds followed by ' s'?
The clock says 10 h 00 min
